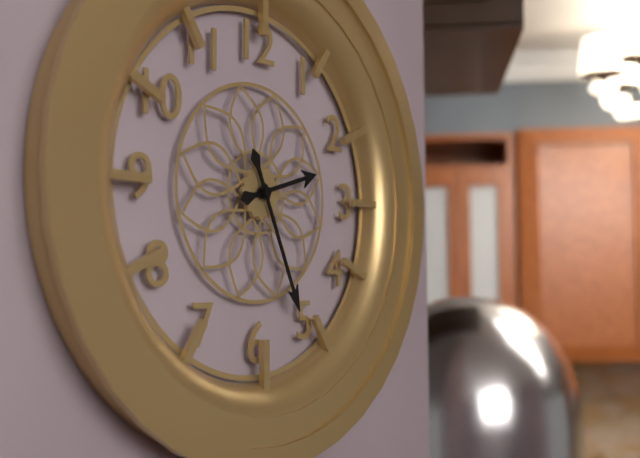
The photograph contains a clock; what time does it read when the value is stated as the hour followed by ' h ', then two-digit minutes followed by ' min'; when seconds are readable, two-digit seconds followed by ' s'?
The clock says 2 h 26 min
